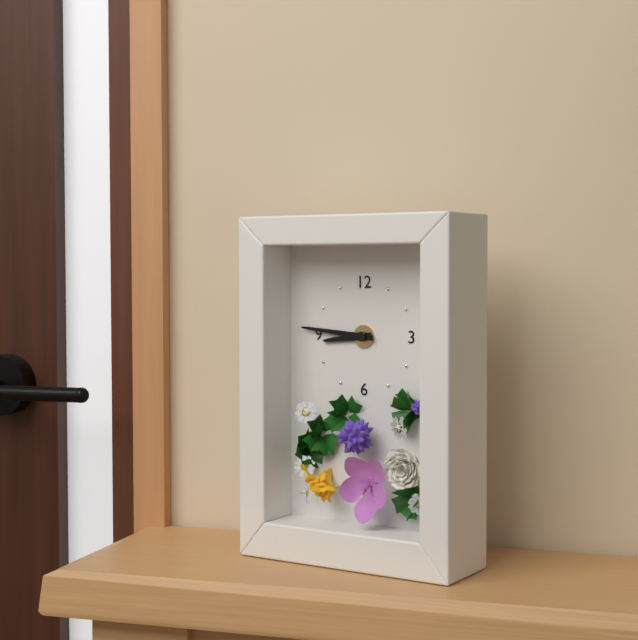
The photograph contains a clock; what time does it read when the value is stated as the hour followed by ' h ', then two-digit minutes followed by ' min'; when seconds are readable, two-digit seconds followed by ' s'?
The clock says 8 h 46 min
